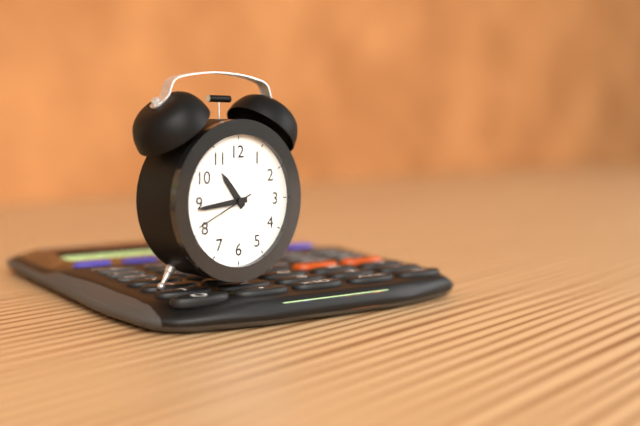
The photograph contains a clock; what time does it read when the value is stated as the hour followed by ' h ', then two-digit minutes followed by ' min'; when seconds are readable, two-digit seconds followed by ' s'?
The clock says 10 h 44 min 41 s
